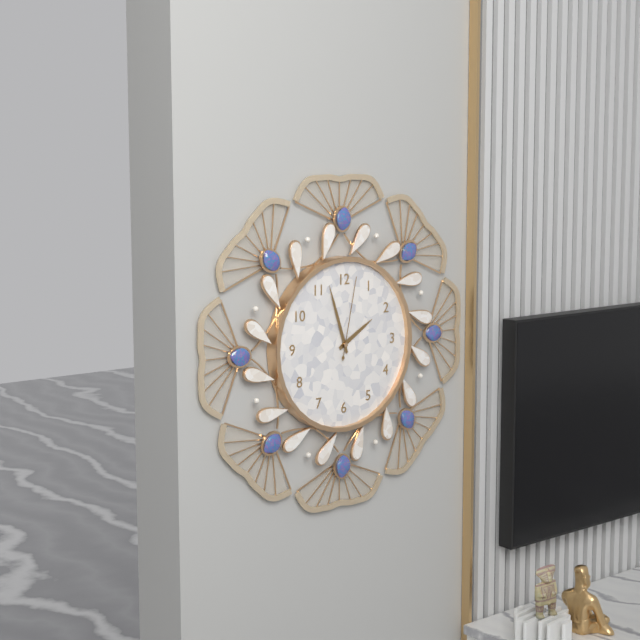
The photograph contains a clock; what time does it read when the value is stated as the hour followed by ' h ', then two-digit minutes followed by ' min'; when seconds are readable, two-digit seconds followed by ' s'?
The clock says 1 h 57 min 02 s
